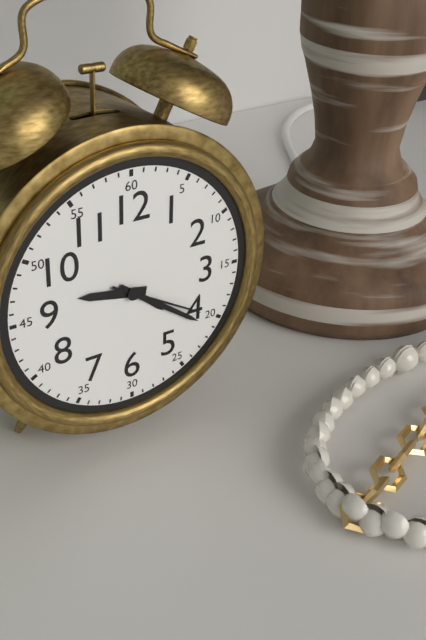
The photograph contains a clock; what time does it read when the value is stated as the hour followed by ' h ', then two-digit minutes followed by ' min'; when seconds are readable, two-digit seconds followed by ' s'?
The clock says 9 h 21 min 20 s
